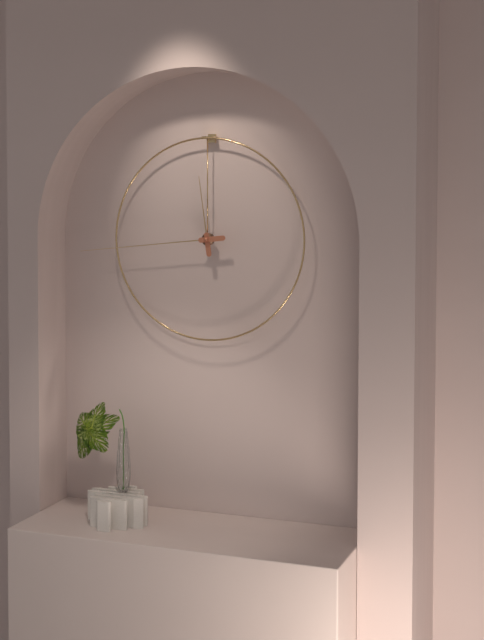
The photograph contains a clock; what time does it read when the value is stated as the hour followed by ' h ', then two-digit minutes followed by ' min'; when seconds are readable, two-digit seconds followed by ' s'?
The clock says 11 h 44 min
